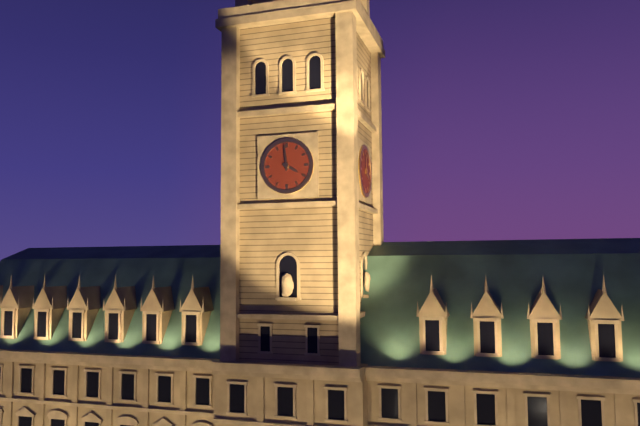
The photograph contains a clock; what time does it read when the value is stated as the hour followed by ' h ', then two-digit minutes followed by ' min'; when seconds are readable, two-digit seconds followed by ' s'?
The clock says 3 h 59 min
